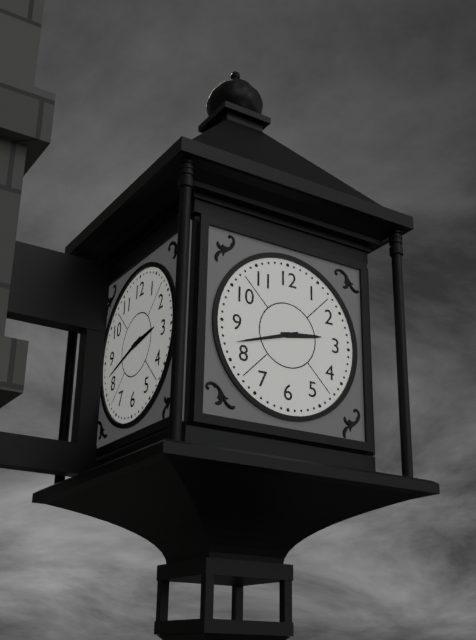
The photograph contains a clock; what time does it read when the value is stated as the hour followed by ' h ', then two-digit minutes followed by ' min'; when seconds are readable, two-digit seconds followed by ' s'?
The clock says 2 h 42 min
